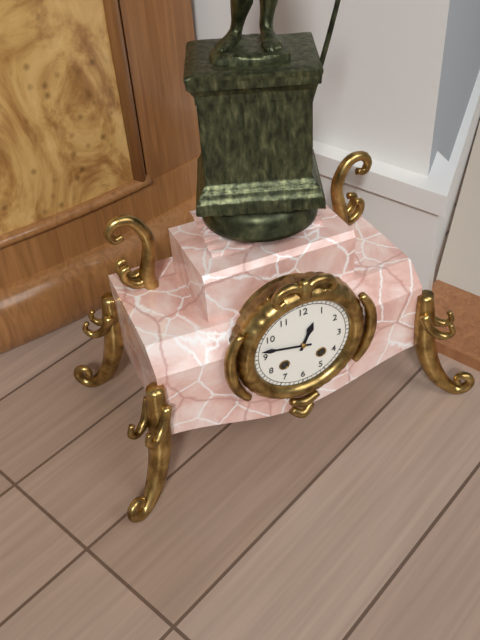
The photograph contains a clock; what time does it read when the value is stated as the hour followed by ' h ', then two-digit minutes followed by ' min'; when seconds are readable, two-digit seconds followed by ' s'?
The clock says 12 h 47 min
